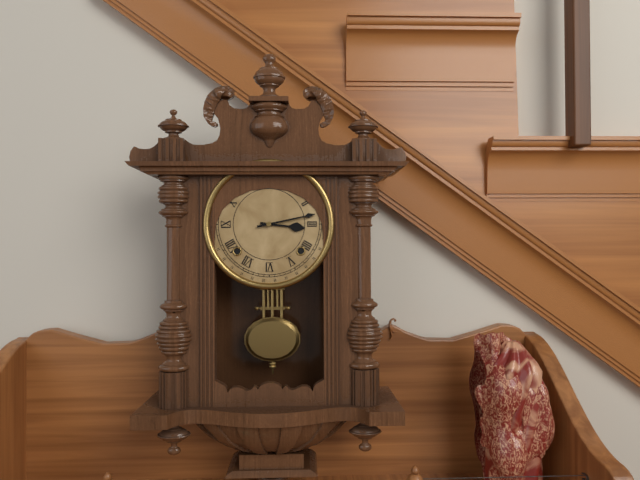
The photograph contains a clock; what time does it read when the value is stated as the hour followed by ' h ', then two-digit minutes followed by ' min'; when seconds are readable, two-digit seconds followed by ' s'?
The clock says 3 h 13 min
